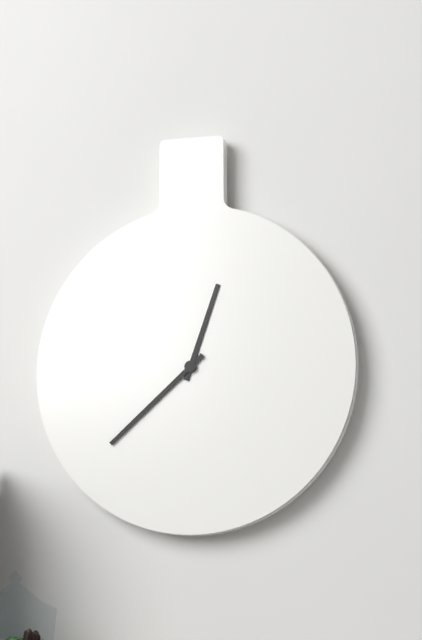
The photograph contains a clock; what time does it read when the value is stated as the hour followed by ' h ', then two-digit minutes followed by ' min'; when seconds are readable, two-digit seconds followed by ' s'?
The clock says 12 h 38 min
